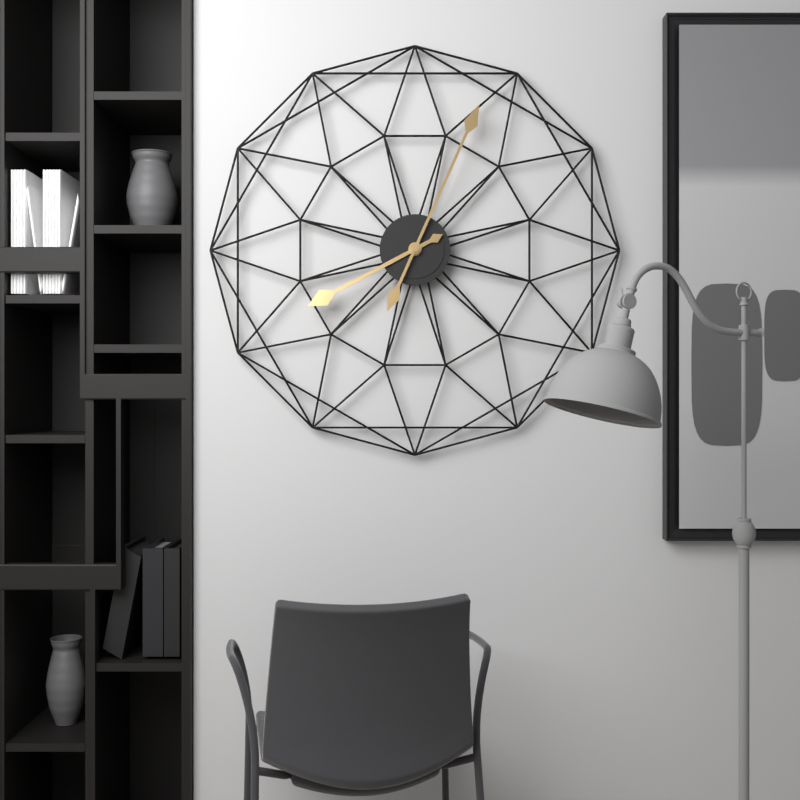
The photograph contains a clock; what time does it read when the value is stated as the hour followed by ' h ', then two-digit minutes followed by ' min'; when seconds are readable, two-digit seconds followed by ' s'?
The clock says 8 h 04 min
